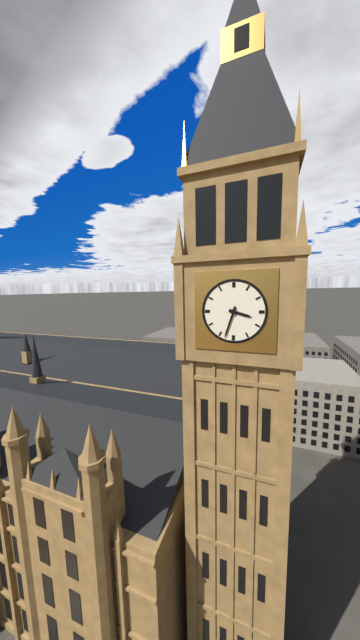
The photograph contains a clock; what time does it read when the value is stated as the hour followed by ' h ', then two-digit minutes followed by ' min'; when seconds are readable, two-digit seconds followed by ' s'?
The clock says 3 h 33 min
